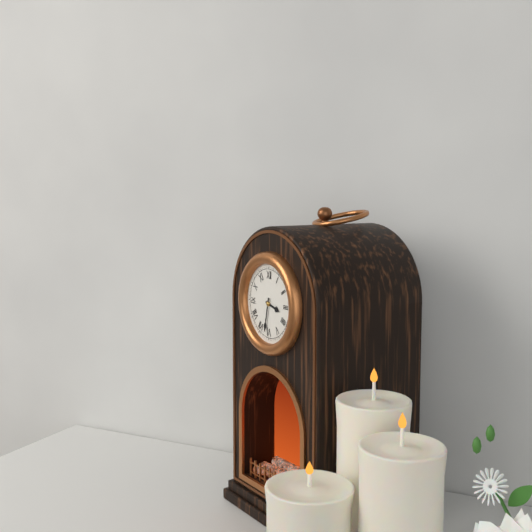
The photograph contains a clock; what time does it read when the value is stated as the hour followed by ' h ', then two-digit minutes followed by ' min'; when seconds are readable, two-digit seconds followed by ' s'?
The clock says 3 h 32 min
